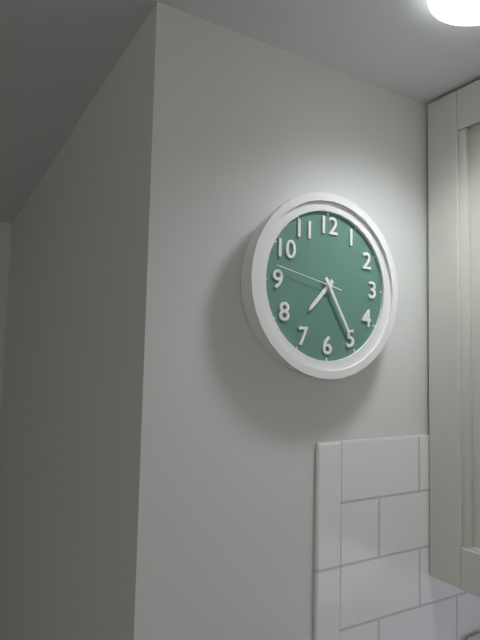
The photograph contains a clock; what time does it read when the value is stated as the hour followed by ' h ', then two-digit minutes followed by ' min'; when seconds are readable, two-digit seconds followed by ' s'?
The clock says 7 h 25 min 47 s
